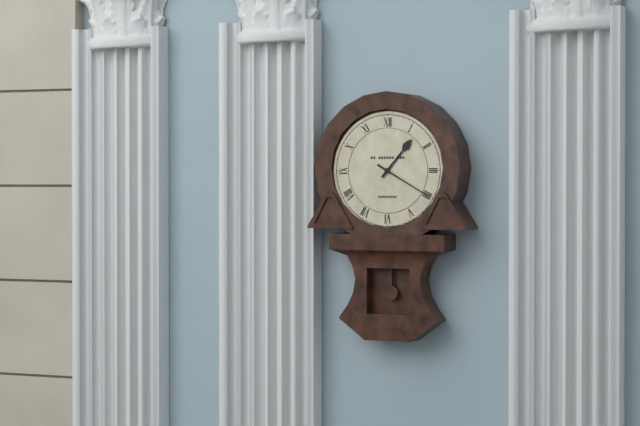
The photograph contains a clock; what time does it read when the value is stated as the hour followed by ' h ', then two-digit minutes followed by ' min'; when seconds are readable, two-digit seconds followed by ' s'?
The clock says 1 h 20 min
